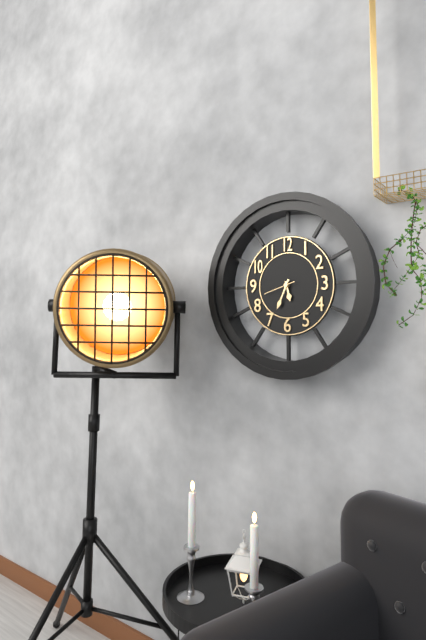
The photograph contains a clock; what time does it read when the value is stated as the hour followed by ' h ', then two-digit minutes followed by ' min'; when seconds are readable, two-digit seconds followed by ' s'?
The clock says 5 h 34 min
